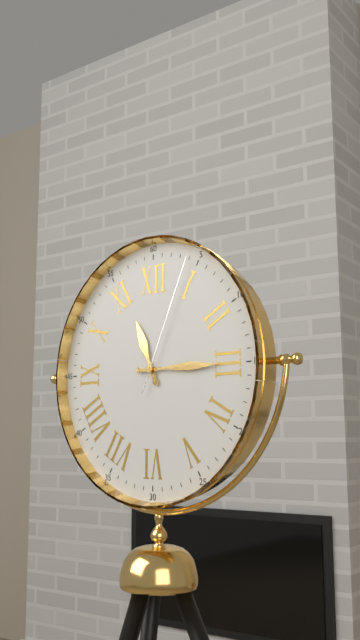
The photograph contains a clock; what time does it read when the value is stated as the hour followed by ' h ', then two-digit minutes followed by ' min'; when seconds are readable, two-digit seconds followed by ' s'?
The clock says 11 h 15 min 04 s
